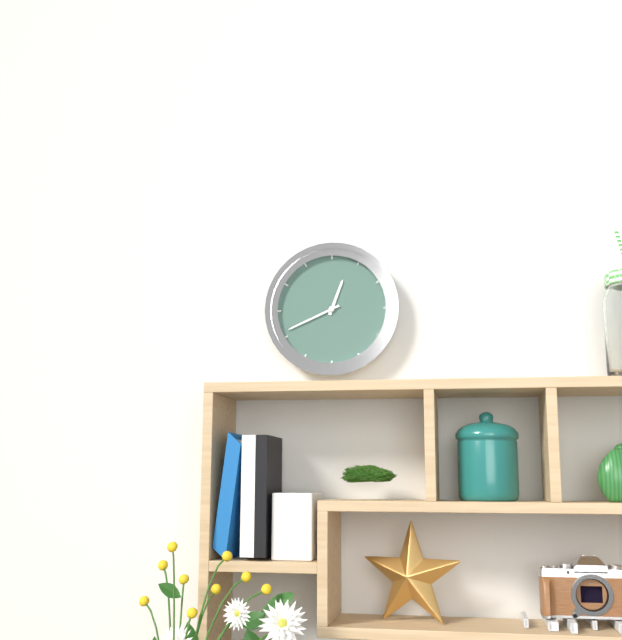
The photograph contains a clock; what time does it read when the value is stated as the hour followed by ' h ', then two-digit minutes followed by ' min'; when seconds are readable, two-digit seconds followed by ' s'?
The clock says 12 h 41 min
